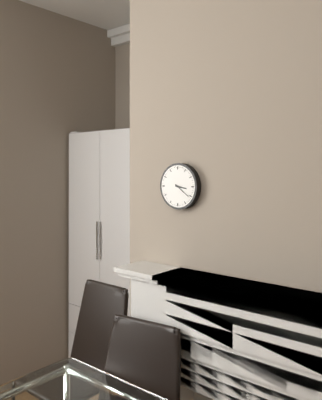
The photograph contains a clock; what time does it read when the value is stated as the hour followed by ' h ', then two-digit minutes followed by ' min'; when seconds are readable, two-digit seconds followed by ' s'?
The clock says 3 h 21 min
